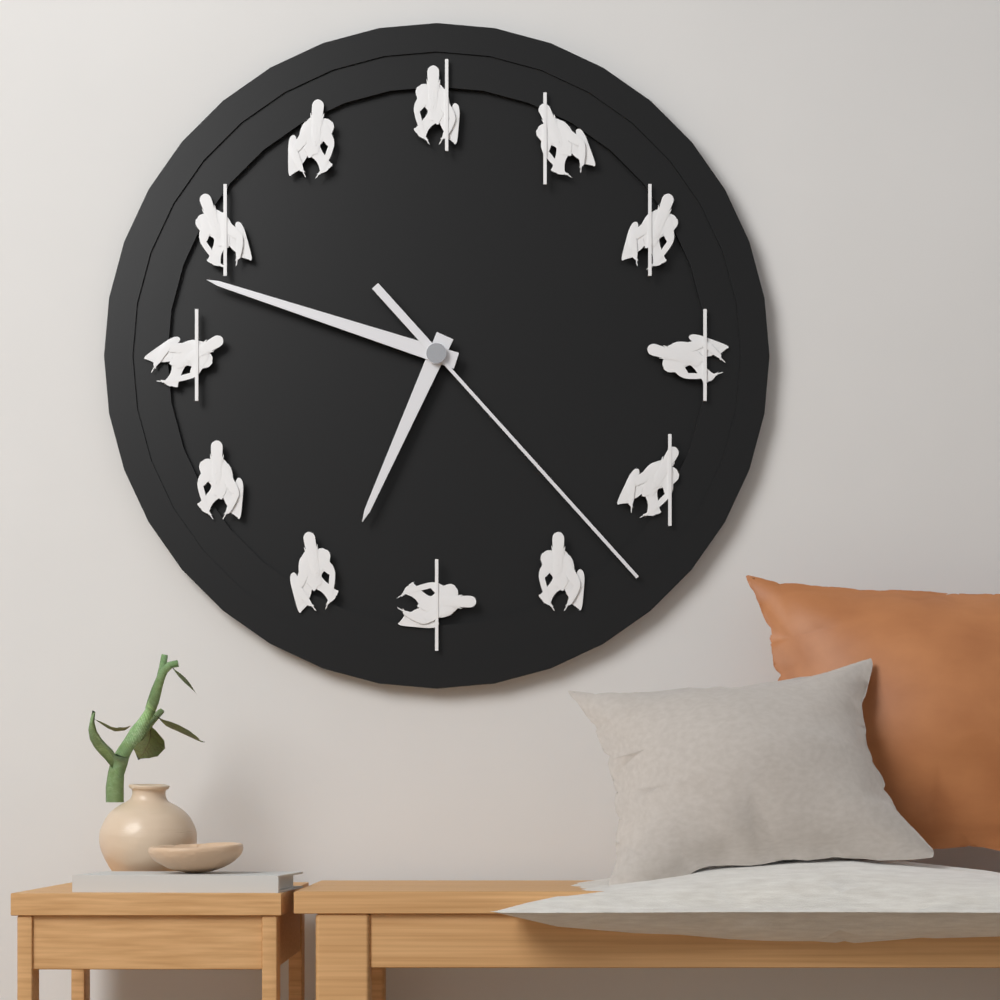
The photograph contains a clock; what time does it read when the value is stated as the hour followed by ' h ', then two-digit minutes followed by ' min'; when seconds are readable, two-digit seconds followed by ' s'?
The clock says 6 h 48 min 23 s
